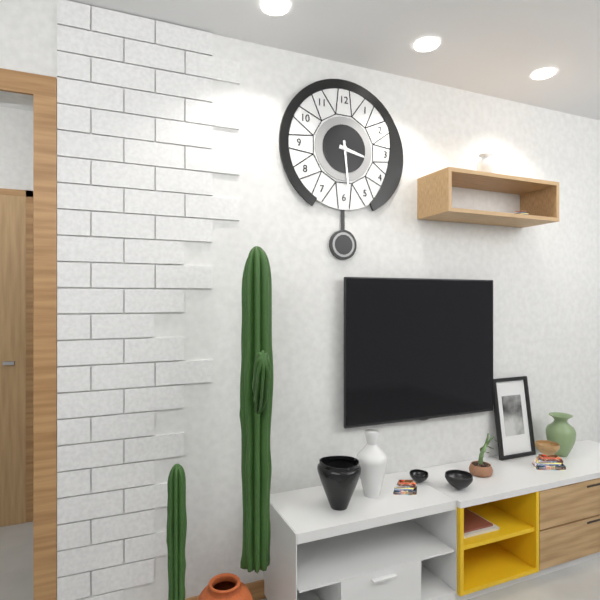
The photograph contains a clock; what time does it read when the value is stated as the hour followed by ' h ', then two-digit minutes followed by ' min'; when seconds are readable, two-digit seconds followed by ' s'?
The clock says 3 h 29 min
